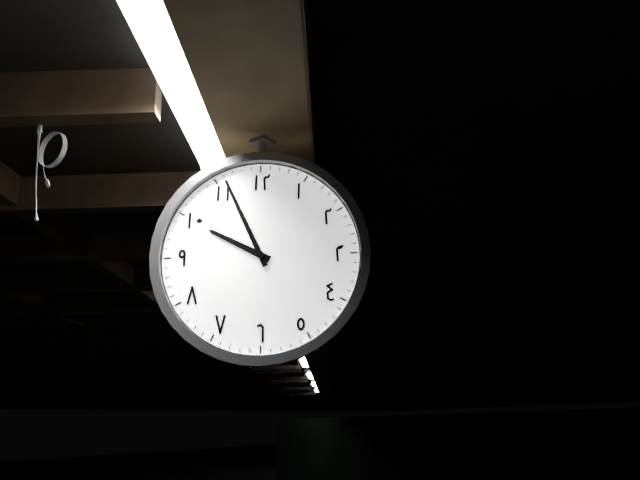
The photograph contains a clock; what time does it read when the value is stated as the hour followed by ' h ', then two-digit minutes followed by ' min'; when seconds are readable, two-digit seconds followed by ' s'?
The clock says 9 h 56 min
